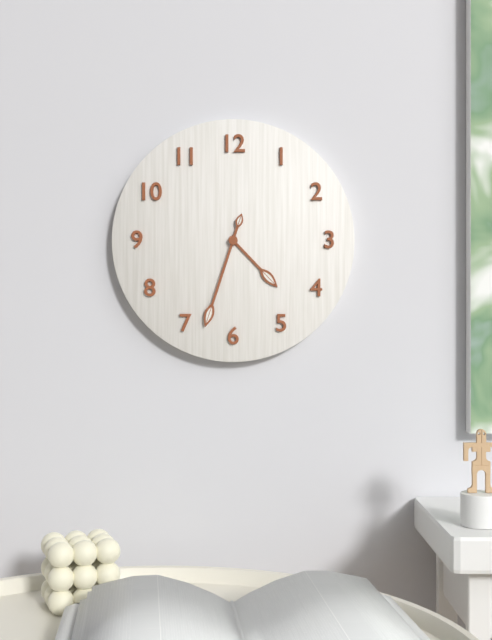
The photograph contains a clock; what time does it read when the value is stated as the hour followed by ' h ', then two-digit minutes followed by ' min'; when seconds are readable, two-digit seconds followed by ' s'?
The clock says 4 h 33 min
